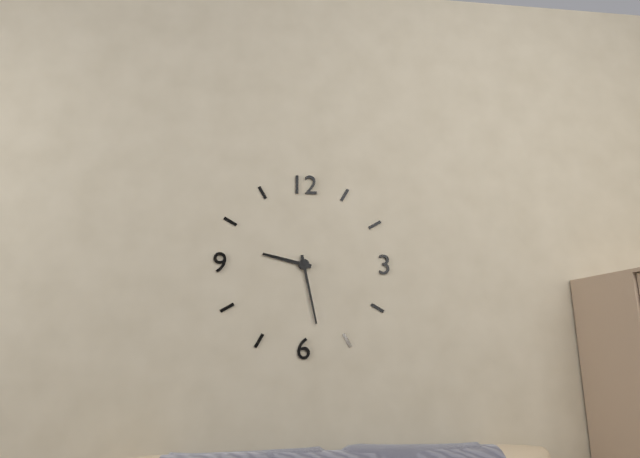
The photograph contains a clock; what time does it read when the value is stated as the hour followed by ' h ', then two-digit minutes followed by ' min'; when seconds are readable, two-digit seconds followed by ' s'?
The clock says 9 h 28 min
